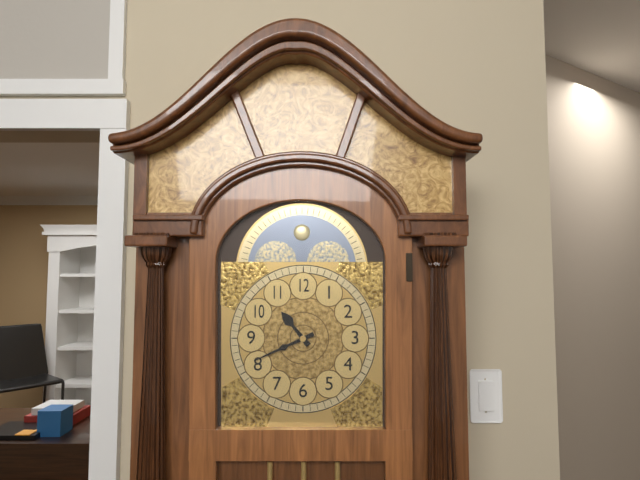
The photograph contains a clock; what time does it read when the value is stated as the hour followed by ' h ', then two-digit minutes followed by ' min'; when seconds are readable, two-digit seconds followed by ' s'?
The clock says 10 h 41 min
